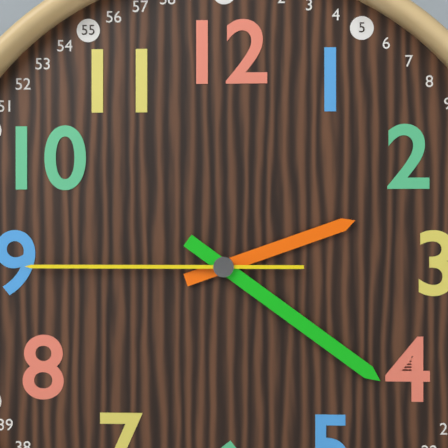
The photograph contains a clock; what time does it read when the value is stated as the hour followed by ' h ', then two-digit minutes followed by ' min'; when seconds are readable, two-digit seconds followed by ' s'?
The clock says 2 h 21 min 45 s
